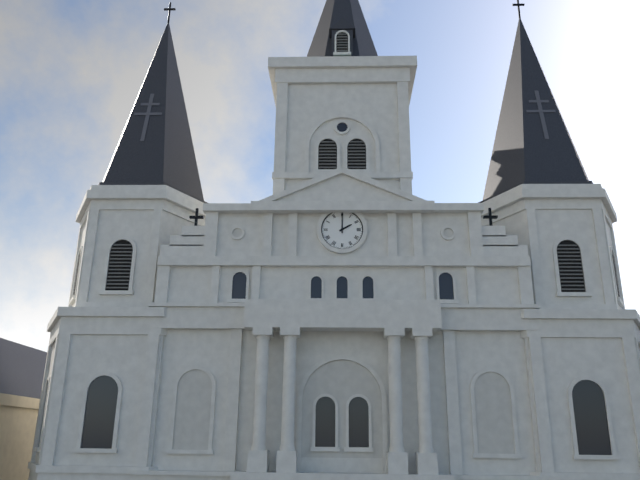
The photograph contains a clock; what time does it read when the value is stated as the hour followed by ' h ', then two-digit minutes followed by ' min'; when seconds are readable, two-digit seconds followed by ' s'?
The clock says 2 h 00 min
